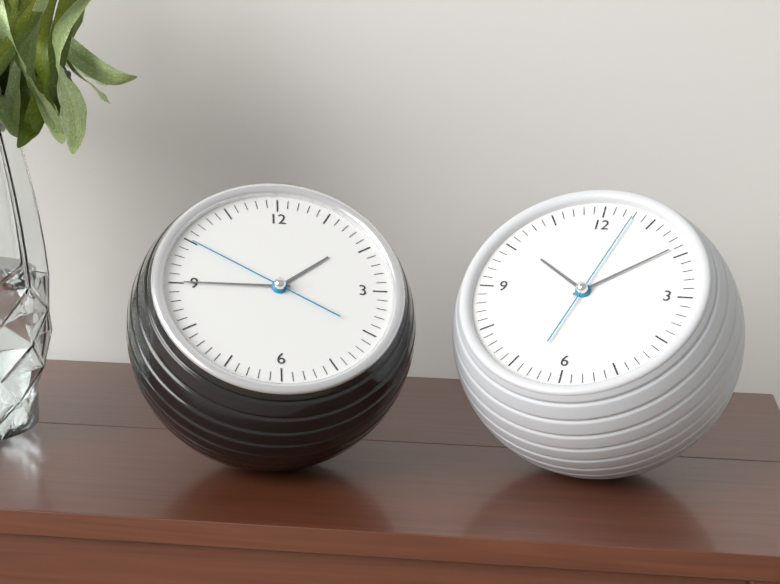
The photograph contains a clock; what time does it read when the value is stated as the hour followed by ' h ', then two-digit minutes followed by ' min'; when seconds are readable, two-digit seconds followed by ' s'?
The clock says 1 h 45 min 50 s
